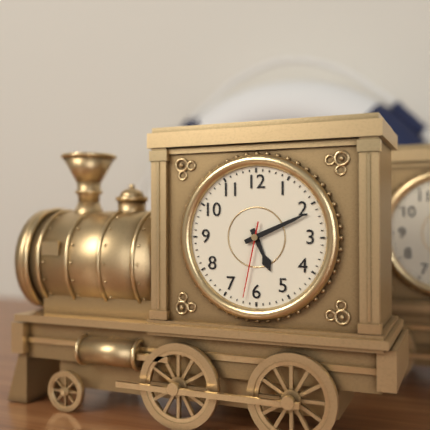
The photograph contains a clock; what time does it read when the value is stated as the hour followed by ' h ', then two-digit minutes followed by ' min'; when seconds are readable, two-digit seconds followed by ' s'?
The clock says 5 h 11 min 32 s
